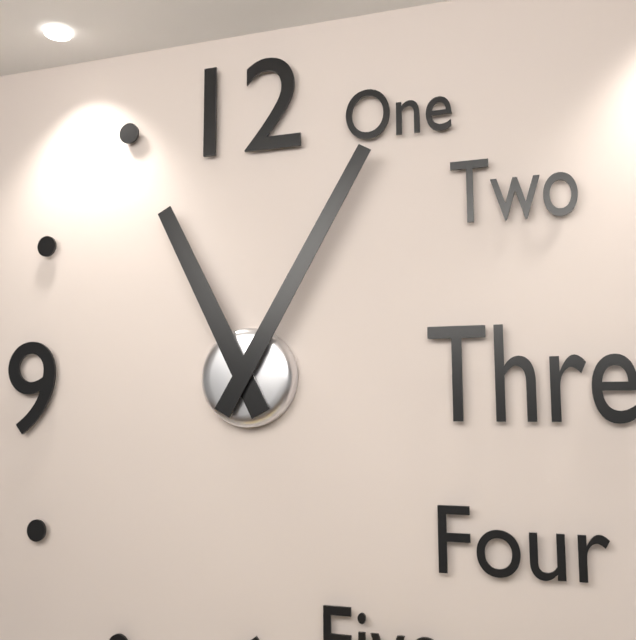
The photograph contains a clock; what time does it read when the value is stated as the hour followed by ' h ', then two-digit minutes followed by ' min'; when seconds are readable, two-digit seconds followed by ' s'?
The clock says 11 h 05 min
